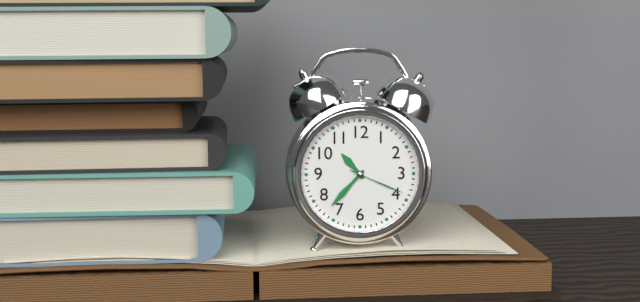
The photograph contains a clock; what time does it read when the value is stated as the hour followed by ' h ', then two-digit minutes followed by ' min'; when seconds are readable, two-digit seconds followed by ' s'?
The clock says 10 h 37 min 19 s
